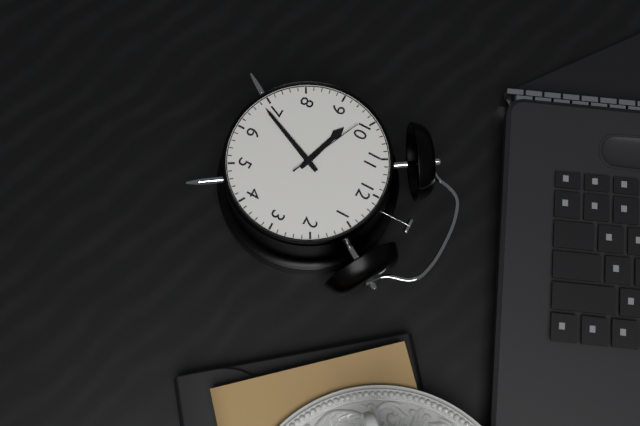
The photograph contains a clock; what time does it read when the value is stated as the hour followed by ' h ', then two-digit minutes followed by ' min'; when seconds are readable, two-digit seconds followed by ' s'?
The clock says 9 h 34 min 49 s
